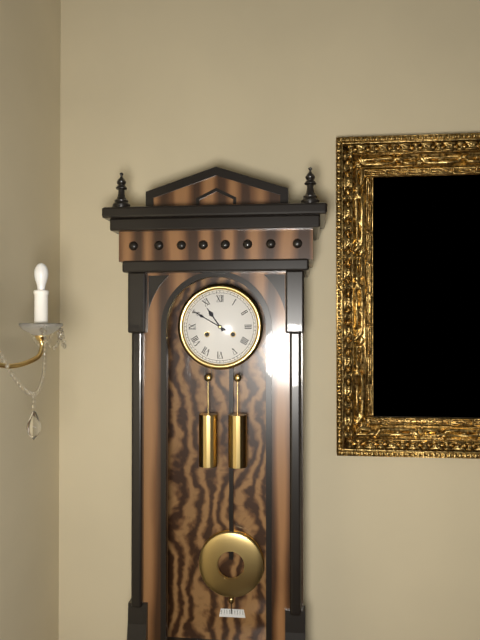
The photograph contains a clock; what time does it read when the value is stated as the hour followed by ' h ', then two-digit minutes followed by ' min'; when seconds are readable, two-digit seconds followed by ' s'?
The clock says 10 h 50 min
